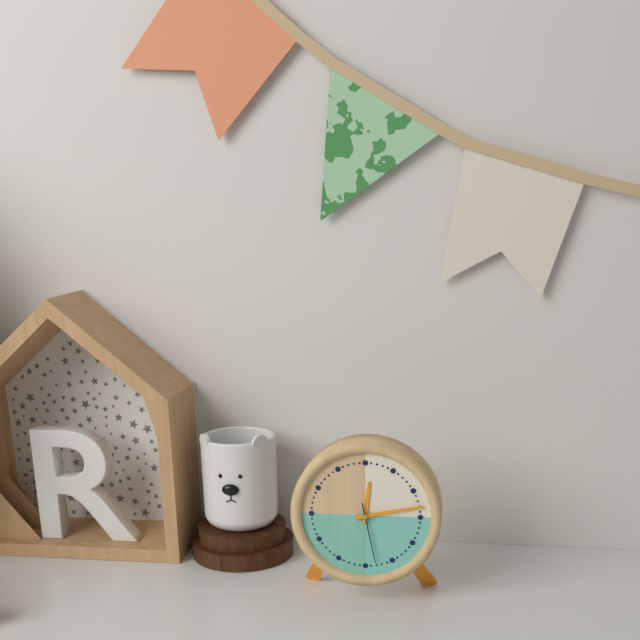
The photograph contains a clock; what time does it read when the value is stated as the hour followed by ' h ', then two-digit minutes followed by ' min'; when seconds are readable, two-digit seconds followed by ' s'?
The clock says 12 h 13 min 28 s
